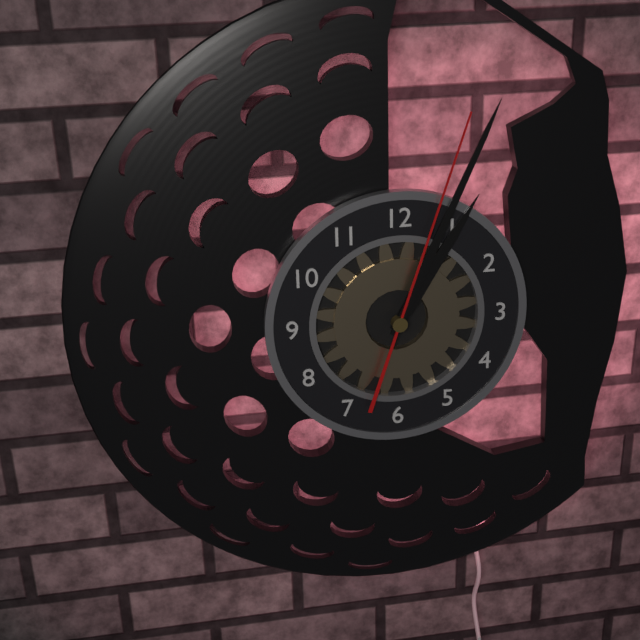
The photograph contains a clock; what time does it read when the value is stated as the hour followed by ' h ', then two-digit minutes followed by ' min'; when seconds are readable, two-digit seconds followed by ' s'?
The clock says 1 h 04 min 03 s
